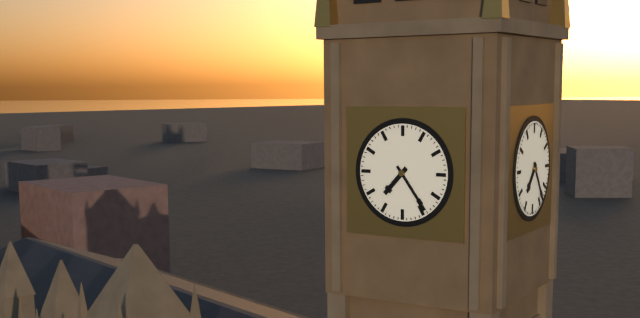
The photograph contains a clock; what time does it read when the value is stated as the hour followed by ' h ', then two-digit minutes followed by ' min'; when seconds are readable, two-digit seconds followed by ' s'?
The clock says 7 h 24 min
